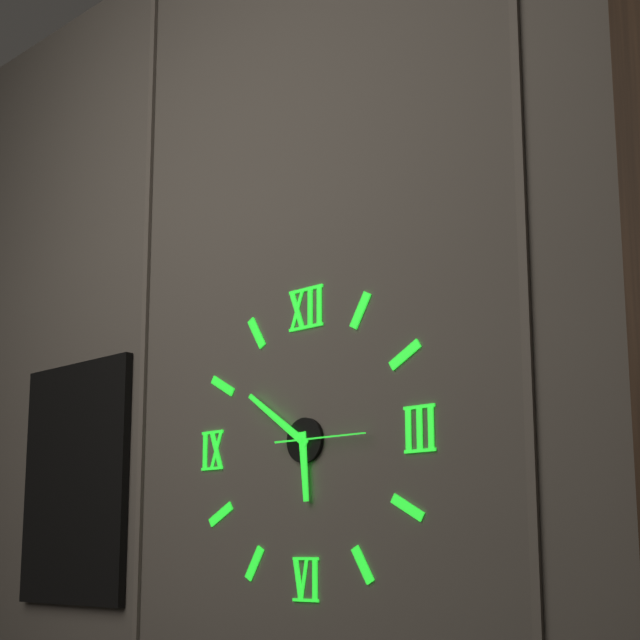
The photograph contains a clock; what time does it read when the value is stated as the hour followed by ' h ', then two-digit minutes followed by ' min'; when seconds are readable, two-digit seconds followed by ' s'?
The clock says 5 h 51 min 15 s
